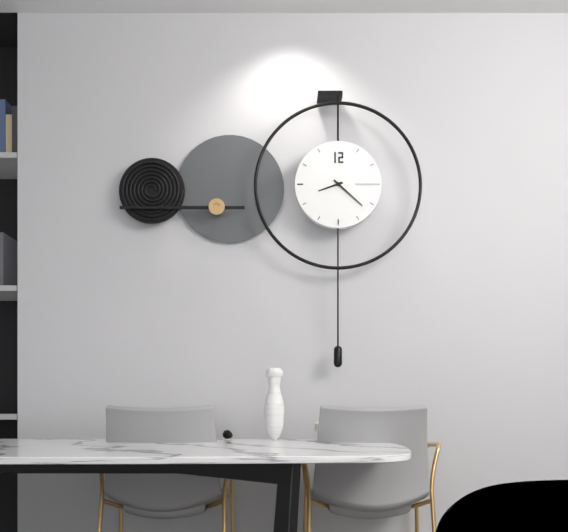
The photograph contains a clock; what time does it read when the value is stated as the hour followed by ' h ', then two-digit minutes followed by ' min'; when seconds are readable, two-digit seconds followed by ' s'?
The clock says 8 h 22 min
